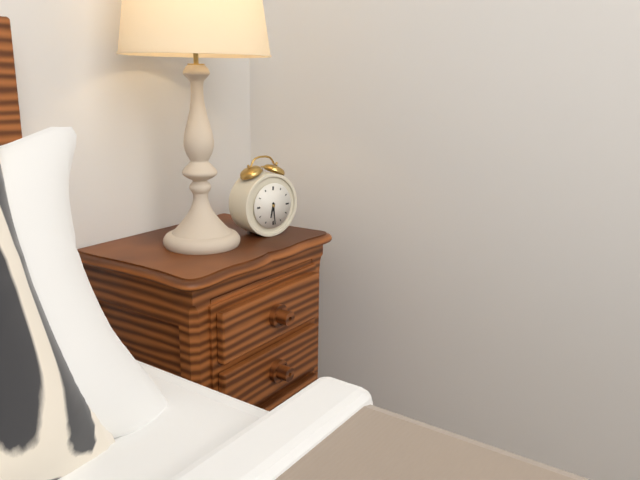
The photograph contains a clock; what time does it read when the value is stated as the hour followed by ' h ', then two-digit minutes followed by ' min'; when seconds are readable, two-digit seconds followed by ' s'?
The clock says 6 h 29 min
